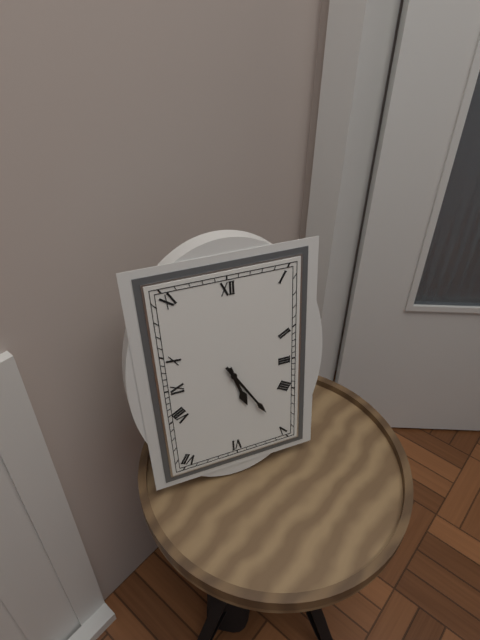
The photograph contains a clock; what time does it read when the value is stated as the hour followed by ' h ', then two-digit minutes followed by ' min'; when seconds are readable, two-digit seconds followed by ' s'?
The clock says 5 h 25 min
